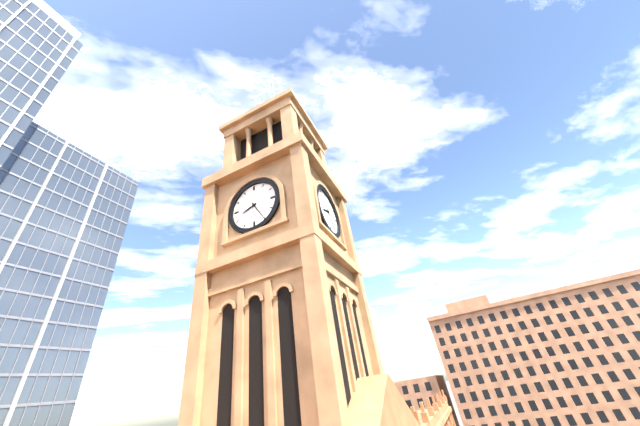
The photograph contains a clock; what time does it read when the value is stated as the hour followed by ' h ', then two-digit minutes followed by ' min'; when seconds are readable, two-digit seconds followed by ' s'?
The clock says 8 h 25 min
